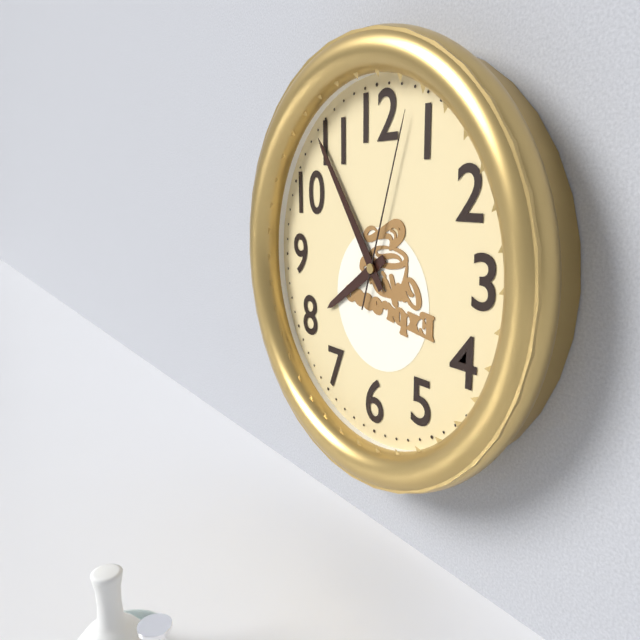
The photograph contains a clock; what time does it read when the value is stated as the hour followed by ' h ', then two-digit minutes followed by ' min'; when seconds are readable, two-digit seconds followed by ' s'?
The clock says 7 h 54 min 03 s
